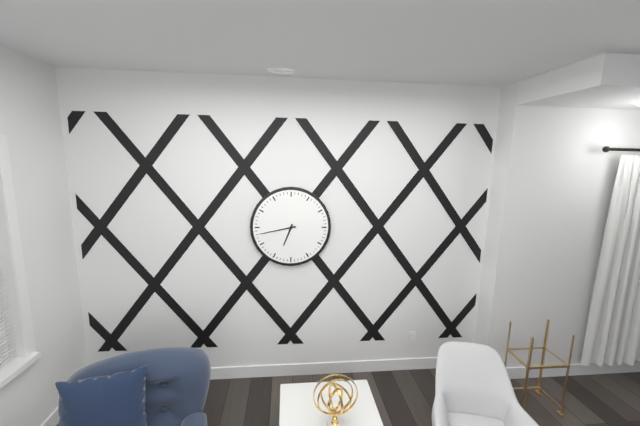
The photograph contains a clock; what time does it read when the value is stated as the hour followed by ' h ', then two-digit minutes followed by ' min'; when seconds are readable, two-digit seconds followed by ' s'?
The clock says 6 h 43 min
